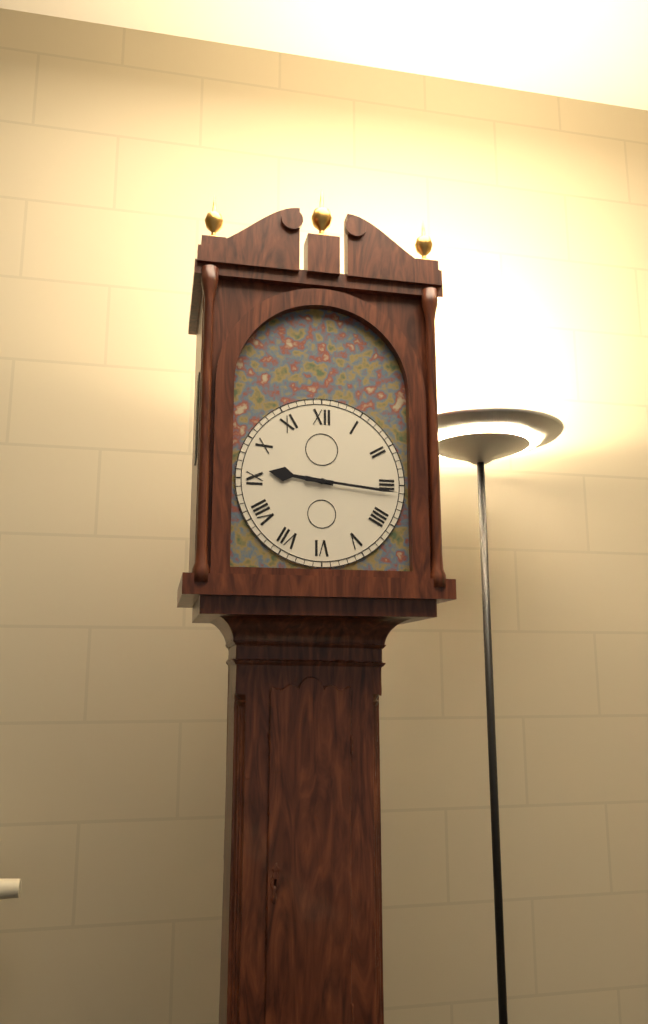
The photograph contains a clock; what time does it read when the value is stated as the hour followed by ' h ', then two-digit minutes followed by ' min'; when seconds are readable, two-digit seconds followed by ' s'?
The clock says 9 h 16 min
